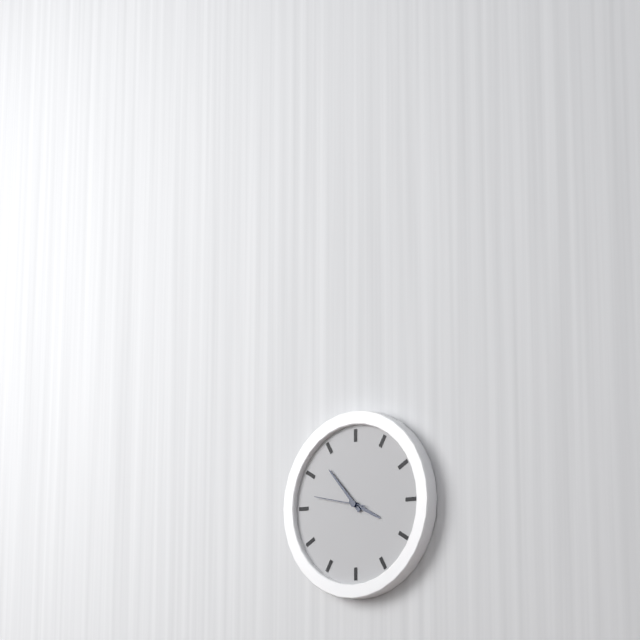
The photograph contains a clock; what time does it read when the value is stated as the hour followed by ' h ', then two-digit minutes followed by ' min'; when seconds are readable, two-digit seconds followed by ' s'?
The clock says 3 h 53 min 47 s
